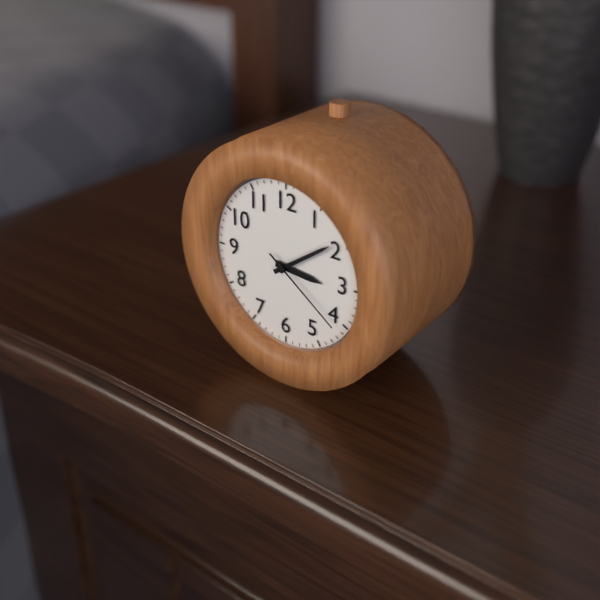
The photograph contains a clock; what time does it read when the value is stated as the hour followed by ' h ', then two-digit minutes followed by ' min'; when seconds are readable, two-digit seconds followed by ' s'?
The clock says 3 h 09 min 21 s
